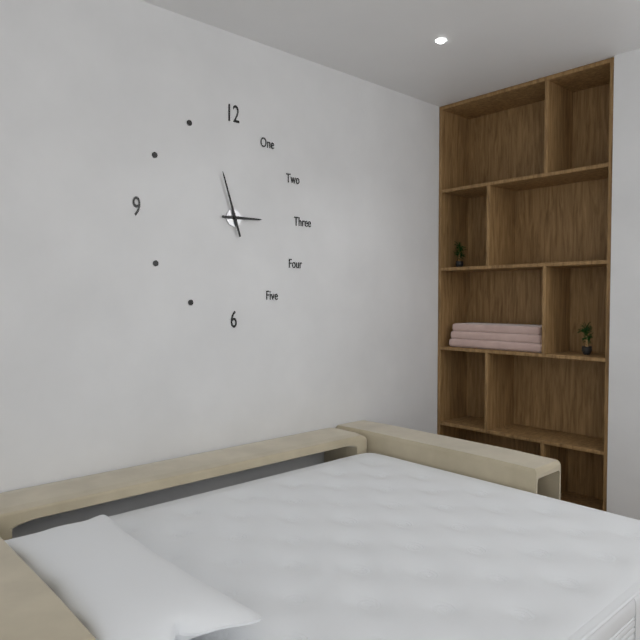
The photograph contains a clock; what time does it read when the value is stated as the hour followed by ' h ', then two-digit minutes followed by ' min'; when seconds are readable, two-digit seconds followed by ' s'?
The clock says 2 h 57 min
